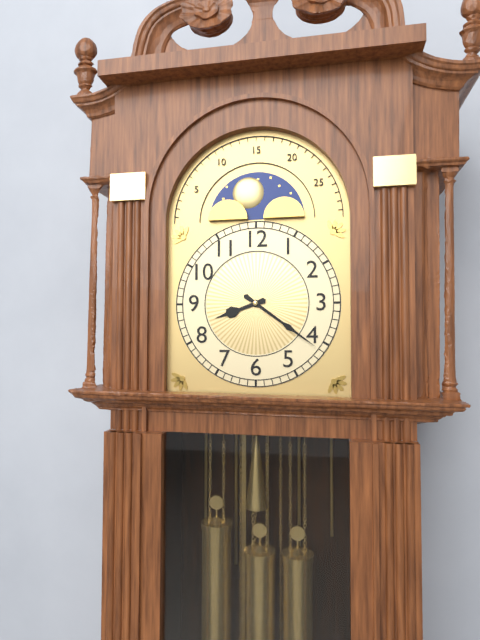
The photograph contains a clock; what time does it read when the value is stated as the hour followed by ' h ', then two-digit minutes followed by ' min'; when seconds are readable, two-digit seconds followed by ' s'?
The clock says 8 h 21 min
